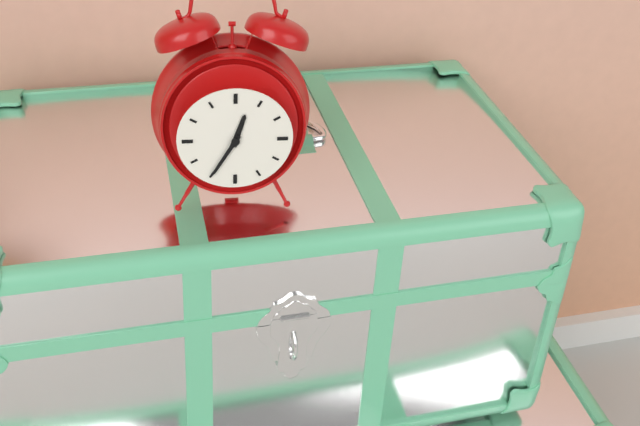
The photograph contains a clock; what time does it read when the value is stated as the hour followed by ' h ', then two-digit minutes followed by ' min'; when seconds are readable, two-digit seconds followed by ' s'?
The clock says 12 h 35 min
